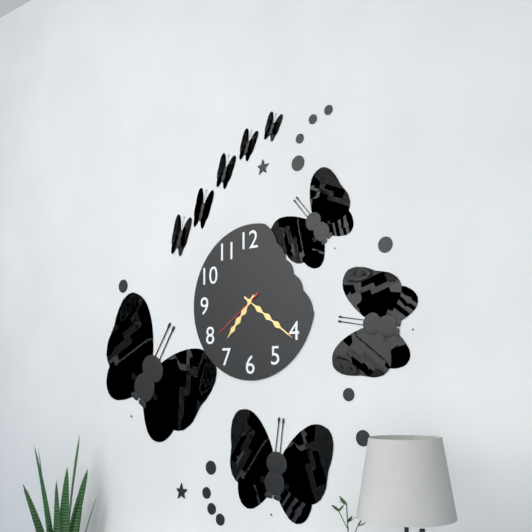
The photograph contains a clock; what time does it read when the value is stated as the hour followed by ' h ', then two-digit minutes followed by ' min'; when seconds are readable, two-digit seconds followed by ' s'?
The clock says 7 h 21 min 39 s
